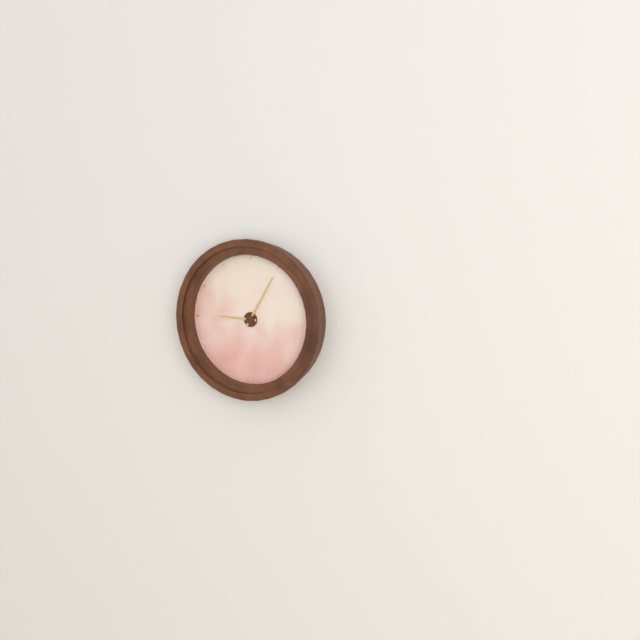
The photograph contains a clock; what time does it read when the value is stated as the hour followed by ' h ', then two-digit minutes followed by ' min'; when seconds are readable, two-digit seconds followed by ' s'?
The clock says 9 h 05 min
